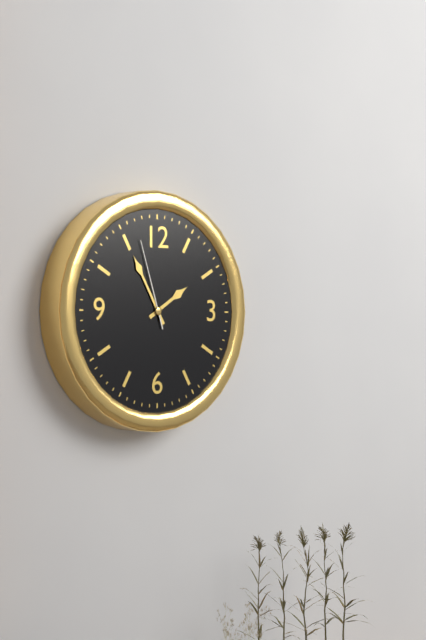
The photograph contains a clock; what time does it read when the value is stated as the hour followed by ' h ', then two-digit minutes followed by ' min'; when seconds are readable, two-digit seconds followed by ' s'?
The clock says 1 h 55 min 57 s
